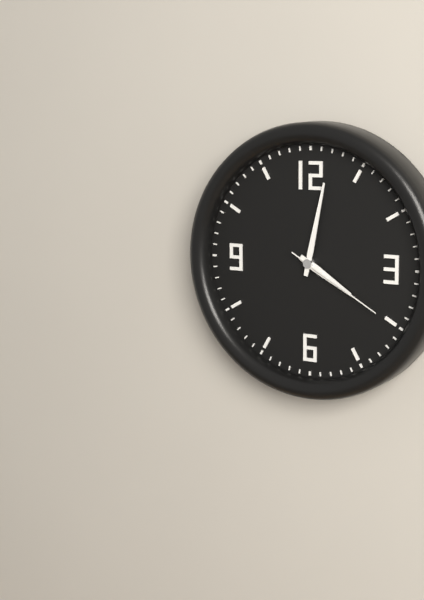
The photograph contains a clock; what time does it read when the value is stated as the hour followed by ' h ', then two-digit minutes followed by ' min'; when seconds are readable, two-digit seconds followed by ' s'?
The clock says 4 h 02 min 20 s
